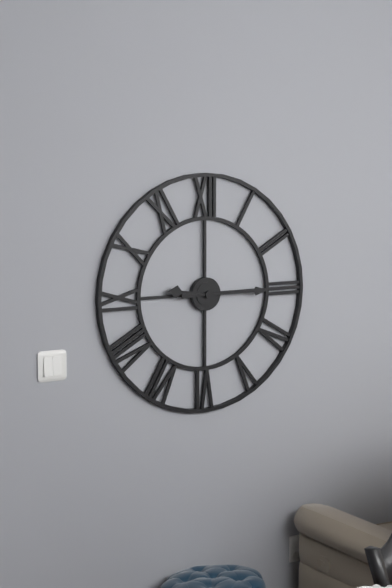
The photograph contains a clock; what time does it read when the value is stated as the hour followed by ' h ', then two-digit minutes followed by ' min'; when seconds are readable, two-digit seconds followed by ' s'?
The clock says 9 h 15 min
